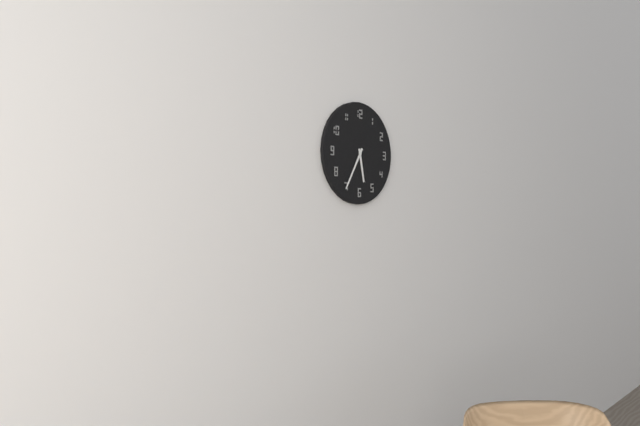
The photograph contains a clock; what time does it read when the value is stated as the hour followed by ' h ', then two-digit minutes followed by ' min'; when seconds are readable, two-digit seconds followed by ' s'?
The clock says 5 h 35 min
